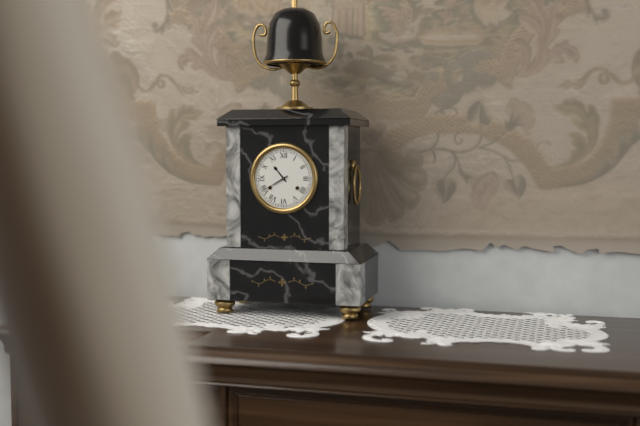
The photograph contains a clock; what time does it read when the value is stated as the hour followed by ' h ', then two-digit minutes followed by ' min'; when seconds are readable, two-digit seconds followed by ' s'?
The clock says 10 h 40 min
